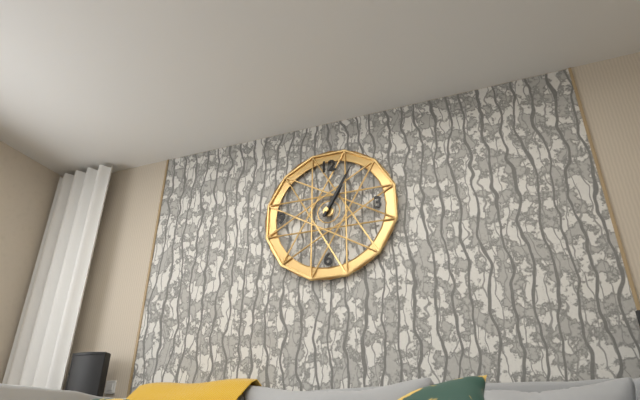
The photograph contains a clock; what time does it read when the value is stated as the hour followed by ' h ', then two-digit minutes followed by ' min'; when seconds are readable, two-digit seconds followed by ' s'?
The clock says 1 h 05 min
